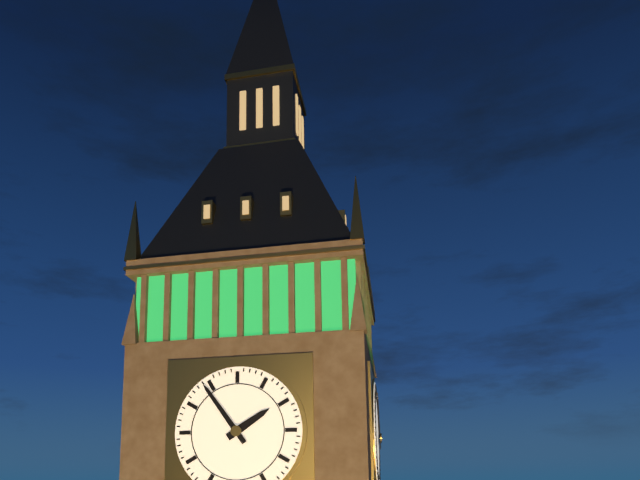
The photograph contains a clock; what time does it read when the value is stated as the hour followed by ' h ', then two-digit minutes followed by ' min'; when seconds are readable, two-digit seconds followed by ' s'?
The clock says 1 h 54 min
